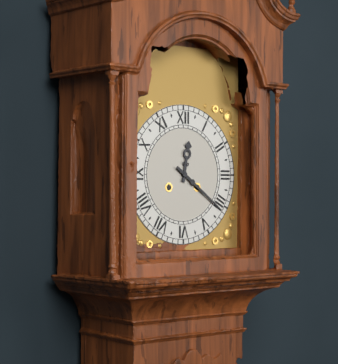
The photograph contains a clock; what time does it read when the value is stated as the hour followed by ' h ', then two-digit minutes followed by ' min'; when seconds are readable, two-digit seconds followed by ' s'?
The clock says 12 h 21 min
